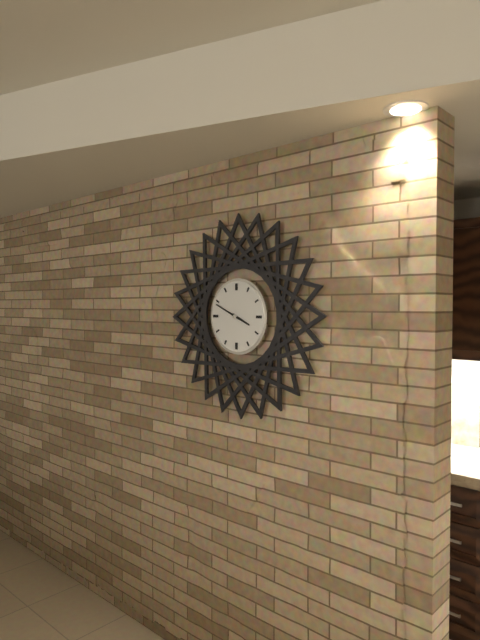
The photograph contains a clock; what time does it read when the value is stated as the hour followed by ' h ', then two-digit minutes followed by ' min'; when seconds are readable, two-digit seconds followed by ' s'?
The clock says 3 h 49 min
